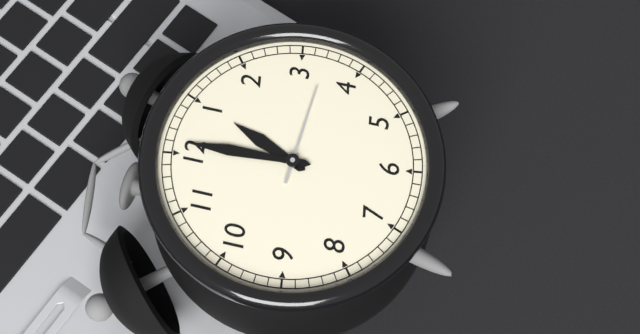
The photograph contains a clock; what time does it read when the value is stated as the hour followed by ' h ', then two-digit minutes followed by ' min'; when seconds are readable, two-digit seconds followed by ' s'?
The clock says 1 h 01 min 17 s
